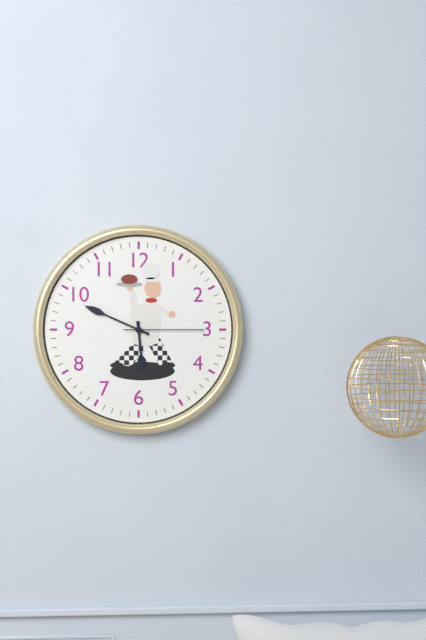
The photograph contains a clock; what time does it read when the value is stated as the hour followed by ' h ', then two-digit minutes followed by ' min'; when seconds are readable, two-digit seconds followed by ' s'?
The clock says 5 h 49 min 15 s
